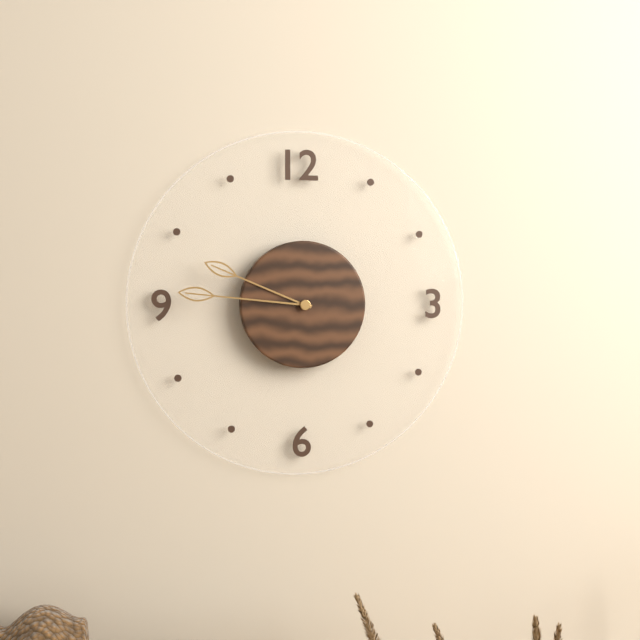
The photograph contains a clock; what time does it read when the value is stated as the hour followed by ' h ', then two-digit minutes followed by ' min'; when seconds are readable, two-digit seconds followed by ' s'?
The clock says 9 h 46 min
